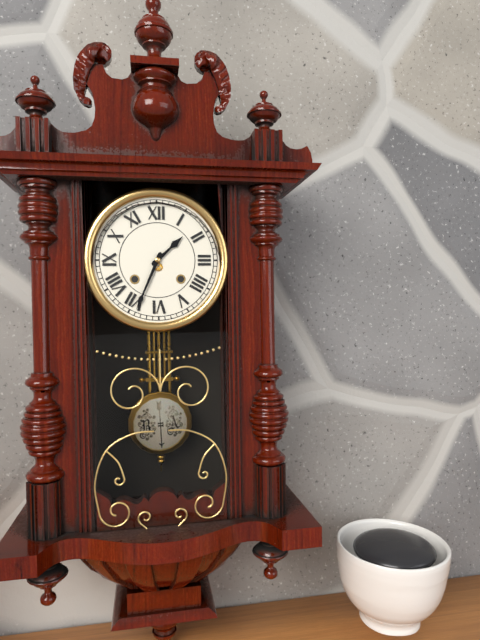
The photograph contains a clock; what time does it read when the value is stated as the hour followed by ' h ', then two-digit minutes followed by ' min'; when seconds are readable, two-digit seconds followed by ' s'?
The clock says 1 h 34 min
